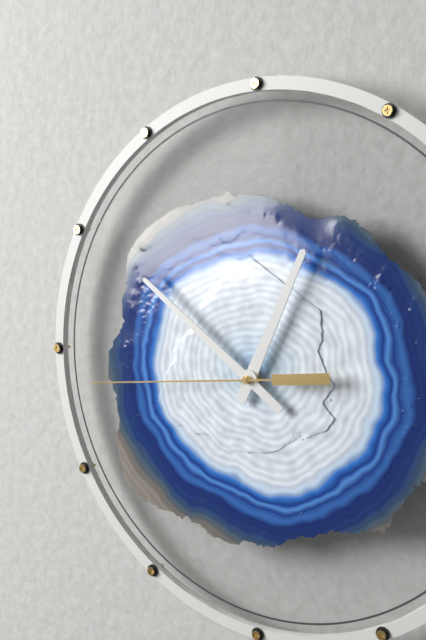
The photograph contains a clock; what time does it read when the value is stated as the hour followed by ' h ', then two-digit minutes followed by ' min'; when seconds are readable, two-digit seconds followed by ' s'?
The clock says 12 h 51 min 44 s
